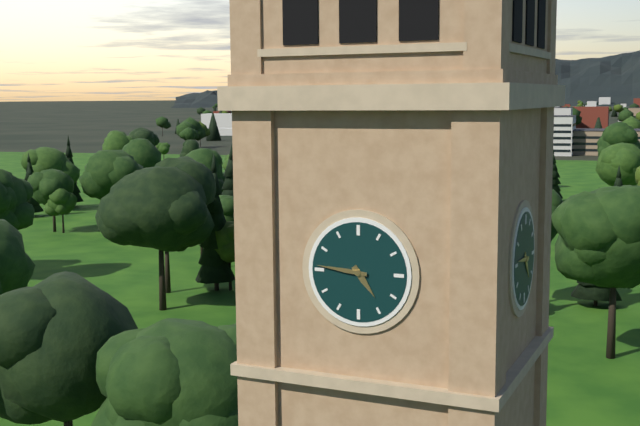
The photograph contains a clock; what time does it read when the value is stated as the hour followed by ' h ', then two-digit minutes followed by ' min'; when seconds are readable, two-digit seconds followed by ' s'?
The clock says 4 h 46 min
